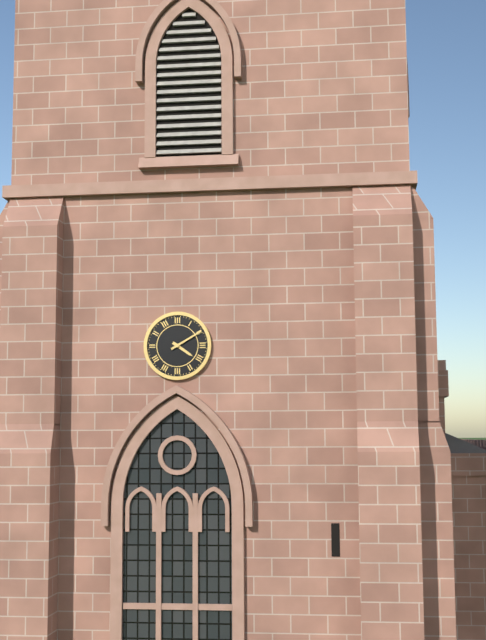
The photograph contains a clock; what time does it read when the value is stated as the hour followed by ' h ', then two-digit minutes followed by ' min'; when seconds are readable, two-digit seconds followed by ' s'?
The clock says 4 h 10 min
